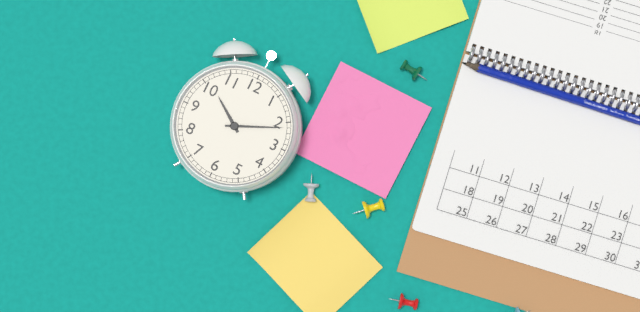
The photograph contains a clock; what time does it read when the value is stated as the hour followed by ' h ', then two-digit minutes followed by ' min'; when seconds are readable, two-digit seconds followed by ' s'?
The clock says 10 h 11 min
